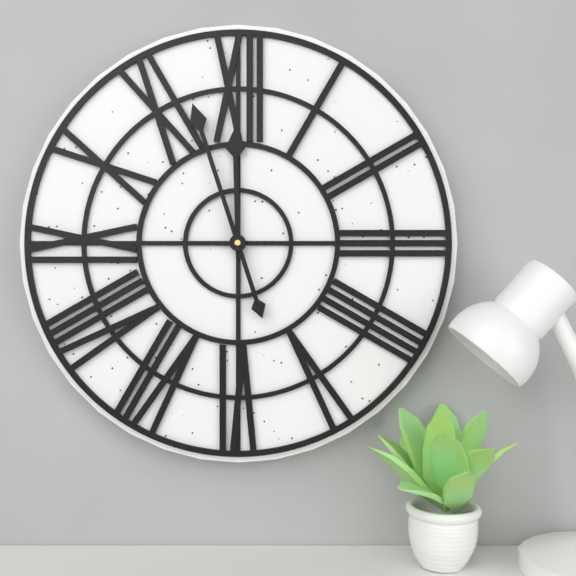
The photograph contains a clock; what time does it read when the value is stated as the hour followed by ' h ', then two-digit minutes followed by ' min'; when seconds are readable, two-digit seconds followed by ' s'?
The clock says 11 h 57 min
